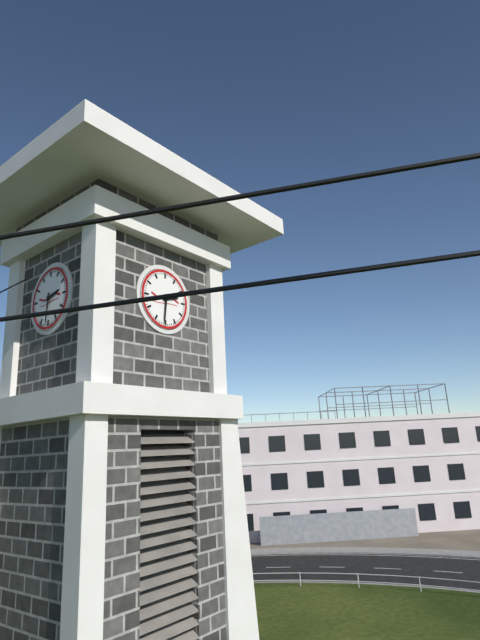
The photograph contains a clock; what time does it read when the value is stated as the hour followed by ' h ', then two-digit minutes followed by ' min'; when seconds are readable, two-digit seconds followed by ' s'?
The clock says 2 h 31 min
